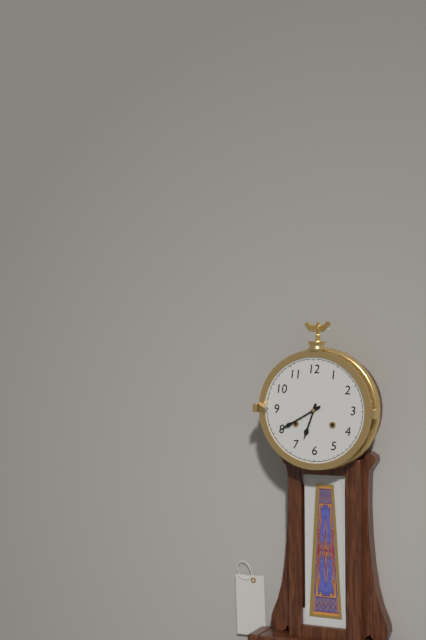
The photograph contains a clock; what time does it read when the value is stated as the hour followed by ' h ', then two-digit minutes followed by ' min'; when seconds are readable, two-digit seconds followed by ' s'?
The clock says 6 h 40 min
